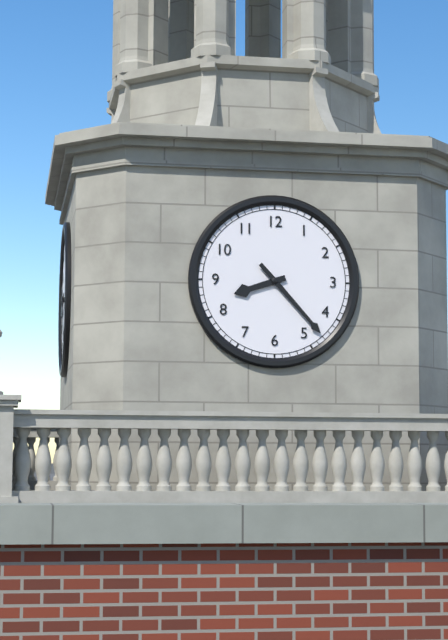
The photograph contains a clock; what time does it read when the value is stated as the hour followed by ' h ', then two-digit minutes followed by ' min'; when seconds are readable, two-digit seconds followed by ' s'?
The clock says 8 h 23 min
